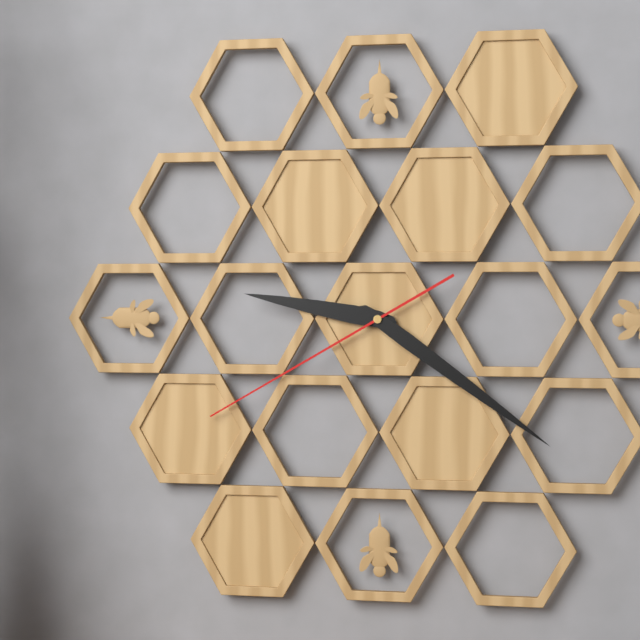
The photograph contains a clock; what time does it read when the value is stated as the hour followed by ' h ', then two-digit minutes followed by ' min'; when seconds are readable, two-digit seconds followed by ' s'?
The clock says 9 h 21 min 40 s
